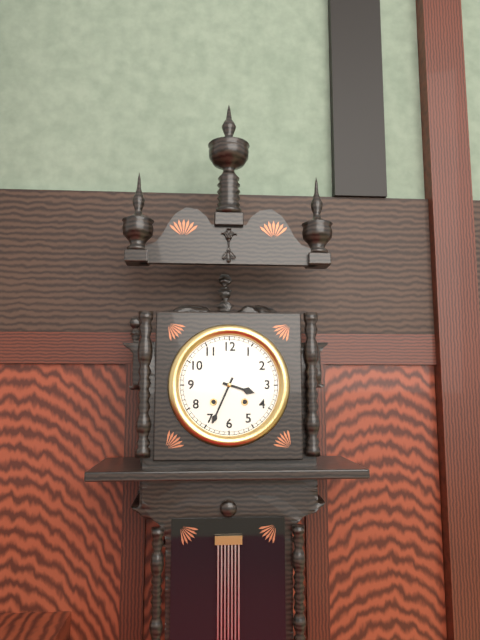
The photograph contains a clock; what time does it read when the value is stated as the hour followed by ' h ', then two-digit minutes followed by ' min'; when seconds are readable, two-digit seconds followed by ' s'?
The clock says 3 h 34 min
